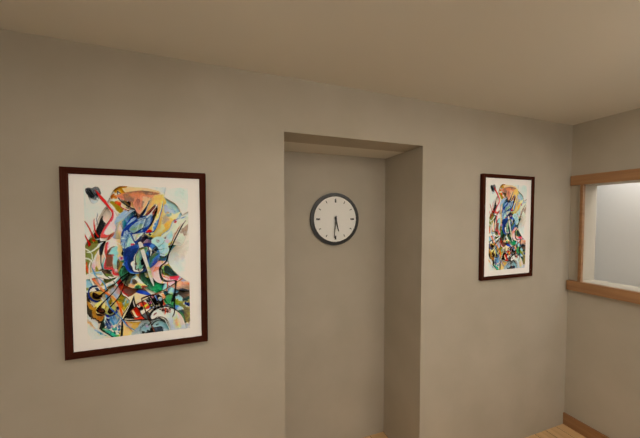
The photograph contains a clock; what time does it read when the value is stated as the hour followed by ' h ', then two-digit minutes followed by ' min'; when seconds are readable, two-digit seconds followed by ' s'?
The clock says 5 h 31 min
